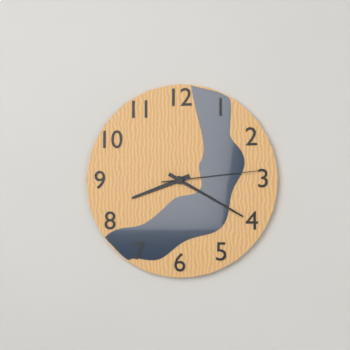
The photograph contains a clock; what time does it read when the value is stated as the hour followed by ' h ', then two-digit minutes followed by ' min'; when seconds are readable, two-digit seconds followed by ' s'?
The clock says 8 h 20 min 14 s
